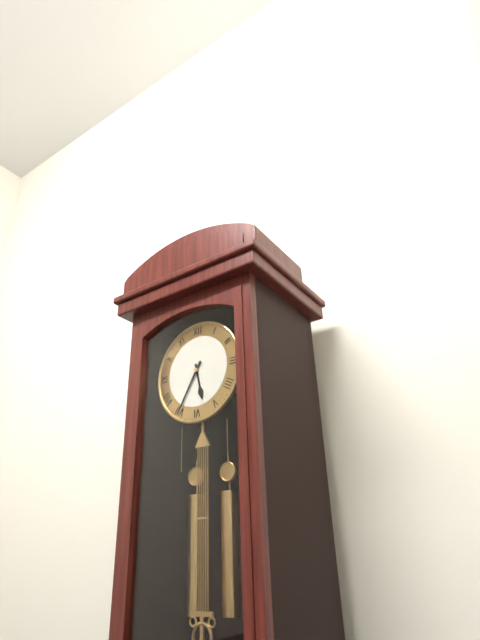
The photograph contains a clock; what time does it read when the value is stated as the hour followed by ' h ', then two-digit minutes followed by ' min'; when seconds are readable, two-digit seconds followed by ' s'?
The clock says 5 h 35 min
